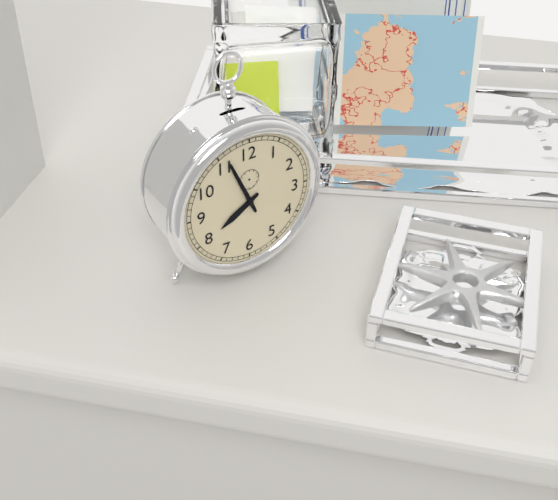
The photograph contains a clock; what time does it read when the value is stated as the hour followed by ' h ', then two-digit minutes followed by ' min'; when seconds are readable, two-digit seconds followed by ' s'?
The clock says 7 h 56 min
